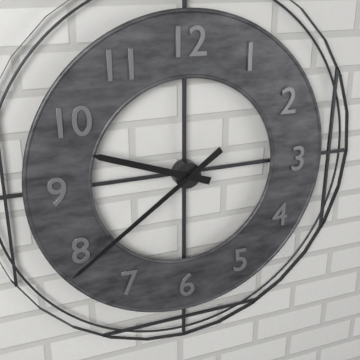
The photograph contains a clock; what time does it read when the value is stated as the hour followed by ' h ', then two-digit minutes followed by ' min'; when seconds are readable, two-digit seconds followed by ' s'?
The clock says 9 h 39 min
